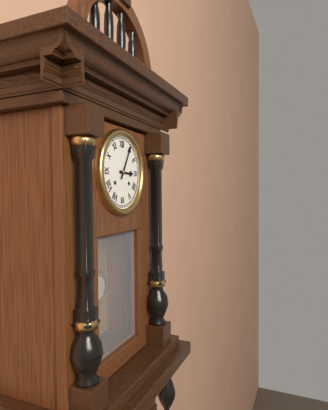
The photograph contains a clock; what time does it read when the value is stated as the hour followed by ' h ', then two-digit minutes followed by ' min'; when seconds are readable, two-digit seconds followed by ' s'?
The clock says 3 h 05 min
